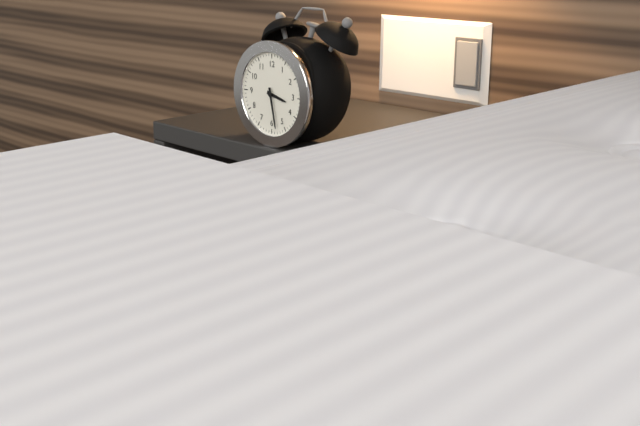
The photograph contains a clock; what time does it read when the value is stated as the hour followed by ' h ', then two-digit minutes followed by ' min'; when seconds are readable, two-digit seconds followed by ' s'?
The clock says 3 h 28 min
